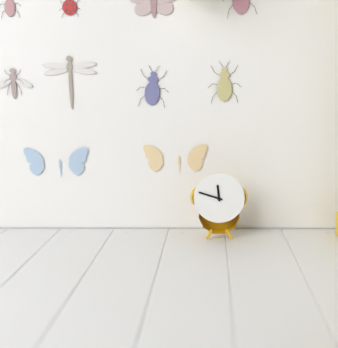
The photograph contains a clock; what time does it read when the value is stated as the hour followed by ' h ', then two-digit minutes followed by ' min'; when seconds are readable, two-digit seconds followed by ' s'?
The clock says 11 h 48 min
